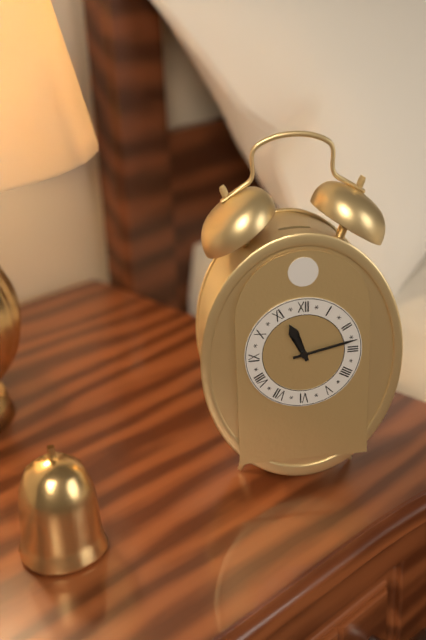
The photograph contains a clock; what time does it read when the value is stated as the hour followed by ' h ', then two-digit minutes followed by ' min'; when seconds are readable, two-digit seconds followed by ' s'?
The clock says 11 h 13 min
